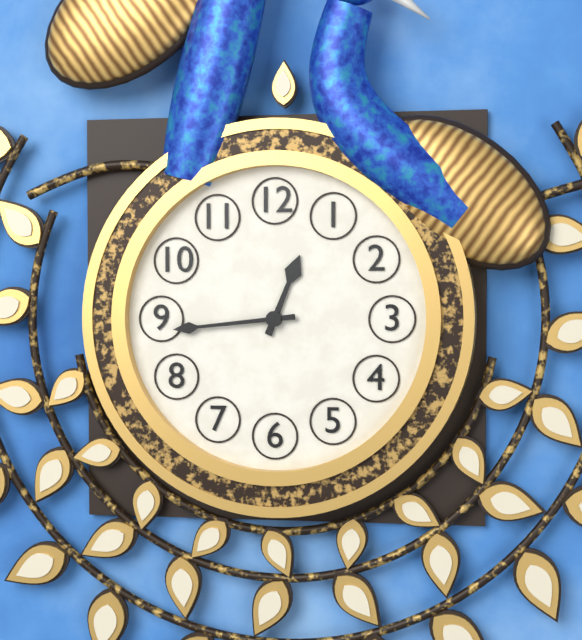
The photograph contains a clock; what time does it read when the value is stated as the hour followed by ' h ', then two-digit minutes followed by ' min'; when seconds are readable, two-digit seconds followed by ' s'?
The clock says 12 h 44 min
